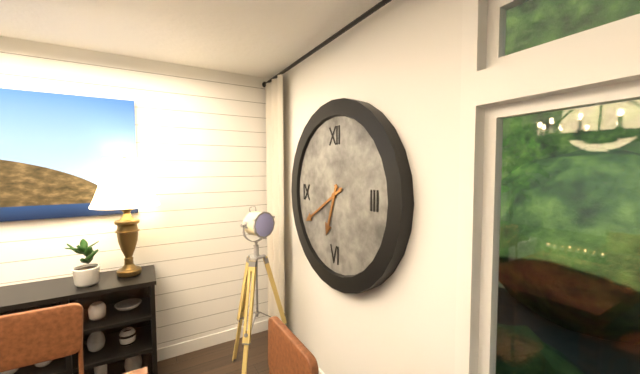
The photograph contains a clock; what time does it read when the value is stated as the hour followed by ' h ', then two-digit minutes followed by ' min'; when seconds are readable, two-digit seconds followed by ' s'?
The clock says 6 h 40 min
